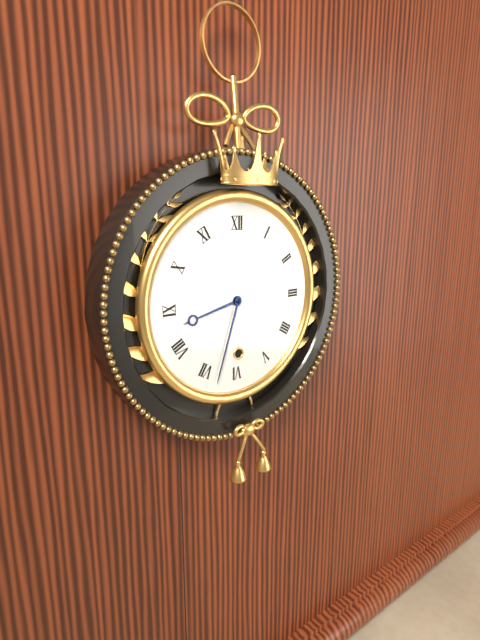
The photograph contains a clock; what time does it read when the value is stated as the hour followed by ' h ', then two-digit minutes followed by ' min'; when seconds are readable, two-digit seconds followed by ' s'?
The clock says 8 h 33 min
